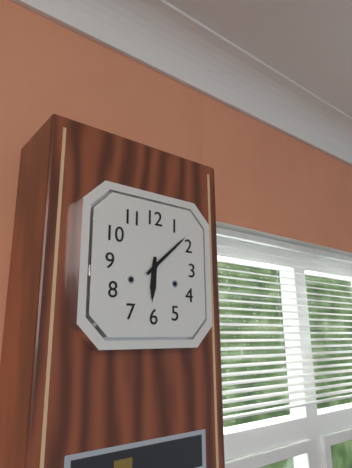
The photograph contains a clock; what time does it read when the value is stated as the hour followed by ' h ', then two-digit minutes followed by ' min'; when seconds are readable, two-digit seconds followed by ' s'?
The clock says 6 h 08 min
